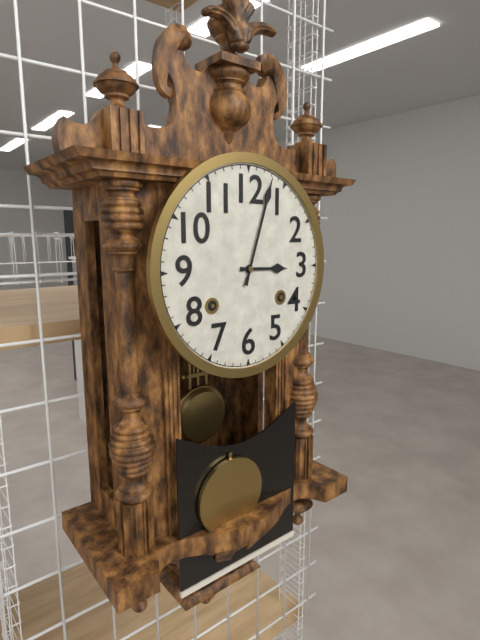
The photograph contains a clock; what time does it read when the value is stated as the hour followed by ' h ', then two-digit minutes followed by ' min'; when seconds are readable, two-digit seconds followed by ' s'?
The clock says 3 h 03 min
